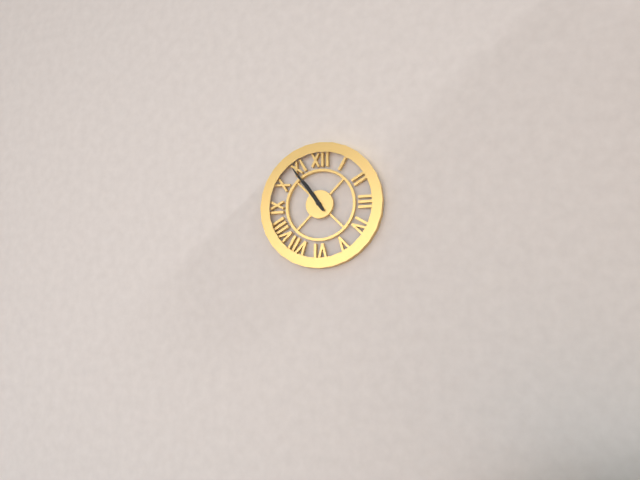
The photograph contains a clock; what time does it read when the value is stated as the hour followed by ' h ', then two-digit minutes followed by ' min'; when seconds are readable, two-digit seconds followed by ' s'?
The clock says 10 h 54 min
